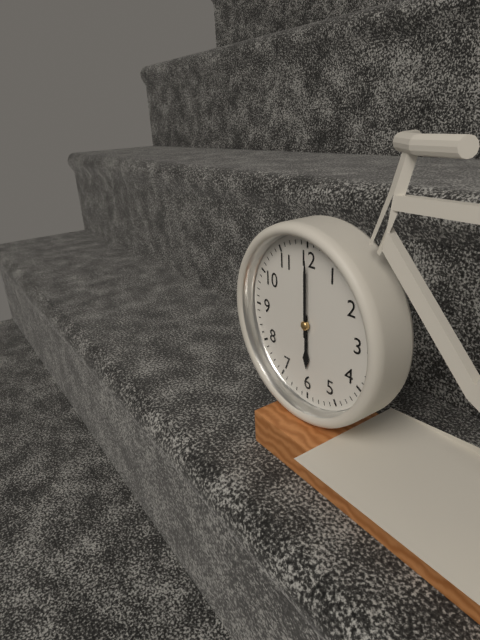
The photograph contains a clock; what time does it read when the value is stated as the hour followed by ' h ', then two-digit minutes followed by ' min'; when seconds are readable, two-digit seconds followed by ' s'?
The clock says 6 h 00 min
